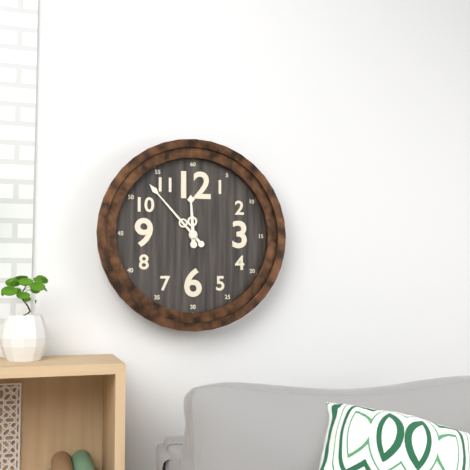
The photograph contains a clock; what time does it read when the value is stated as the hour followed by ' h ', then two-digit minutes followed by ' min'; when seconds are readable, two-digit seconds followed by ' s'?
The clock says 11 h 53 min
